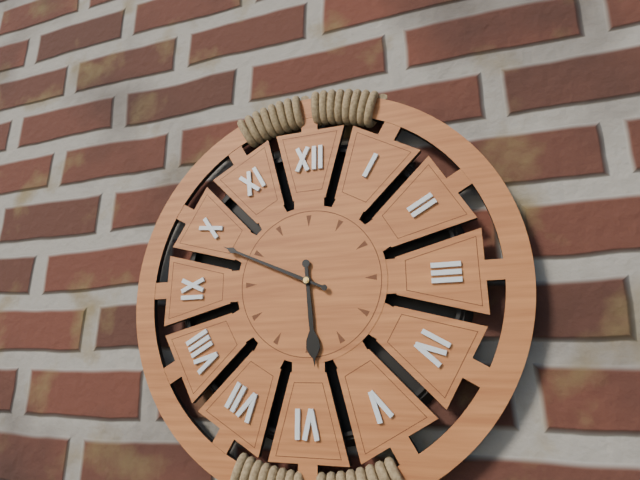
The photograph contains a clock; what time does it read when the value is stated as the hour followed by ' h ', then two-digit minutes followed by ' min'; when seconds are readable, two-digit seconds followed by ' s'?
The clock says 5 h 49 min
